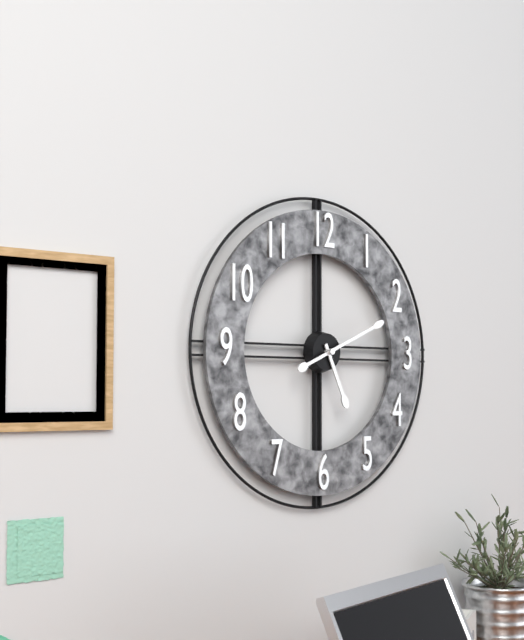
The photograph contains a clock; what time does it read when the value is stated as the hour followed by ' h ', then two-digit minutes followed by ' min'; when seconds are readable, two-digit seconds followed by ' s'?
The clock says 5 h 11 min
